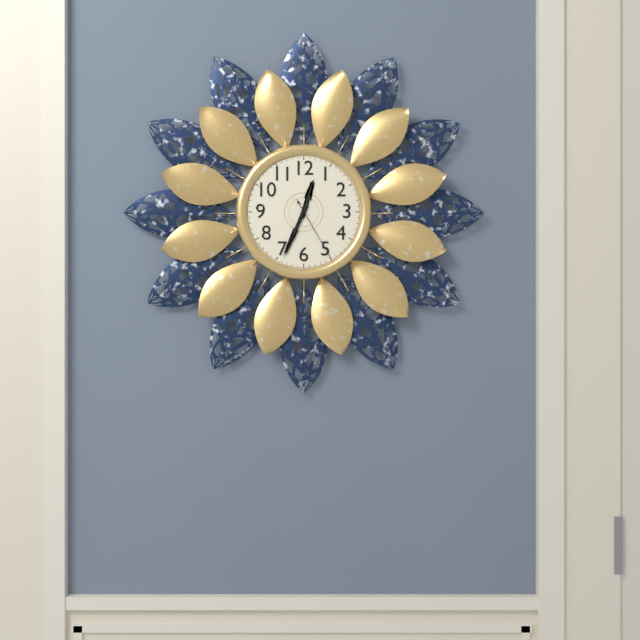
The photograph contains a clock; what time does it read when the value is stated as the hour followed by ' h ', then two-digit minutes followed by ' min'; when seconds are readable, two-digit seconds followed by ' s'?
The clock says 12 h 34 min 25 s
